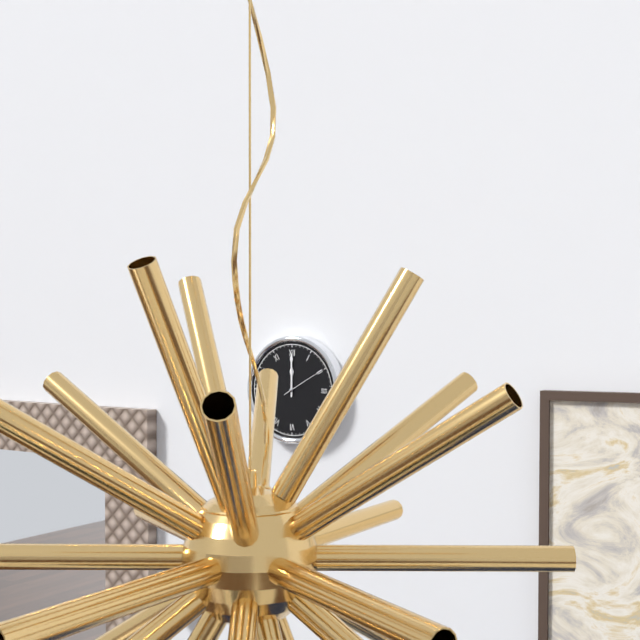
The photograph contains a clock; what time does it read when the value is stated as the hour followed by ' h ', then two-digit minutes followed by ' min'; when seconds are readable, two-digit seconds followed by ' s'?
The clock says 12 h 00 min
